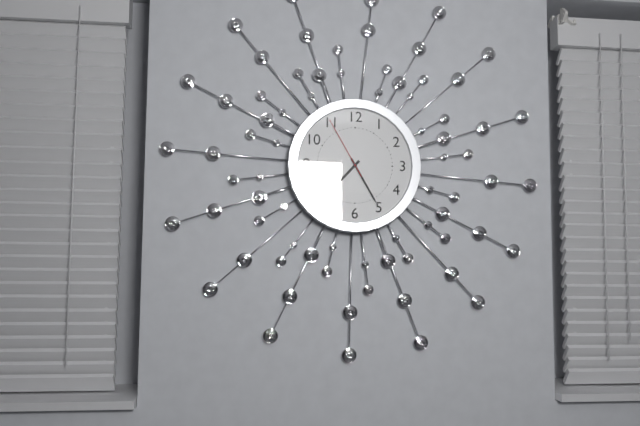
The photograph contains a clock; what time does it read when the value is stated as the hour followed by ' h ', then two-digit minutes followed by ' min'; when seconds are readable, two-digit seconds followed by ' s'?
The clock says 7 h 25 min 55 s
